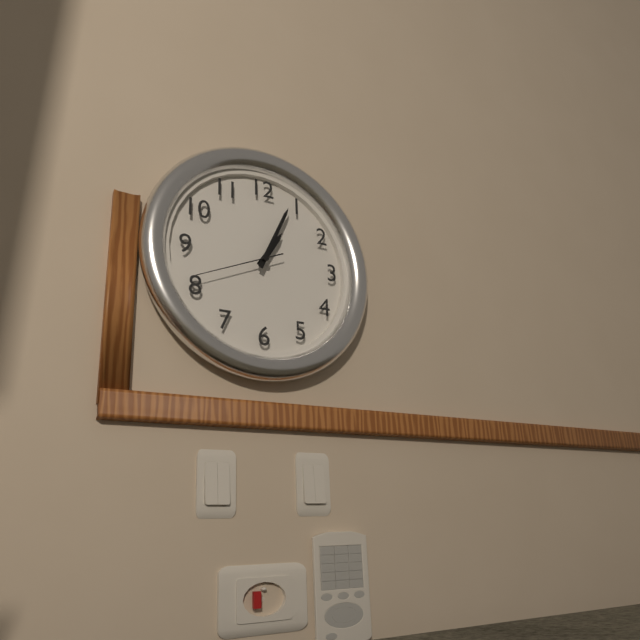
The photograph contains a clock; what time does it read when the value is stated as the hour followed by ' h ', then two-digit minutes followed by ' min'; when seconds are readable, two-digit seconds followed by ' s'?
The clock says 1 h 04 min 41 s
